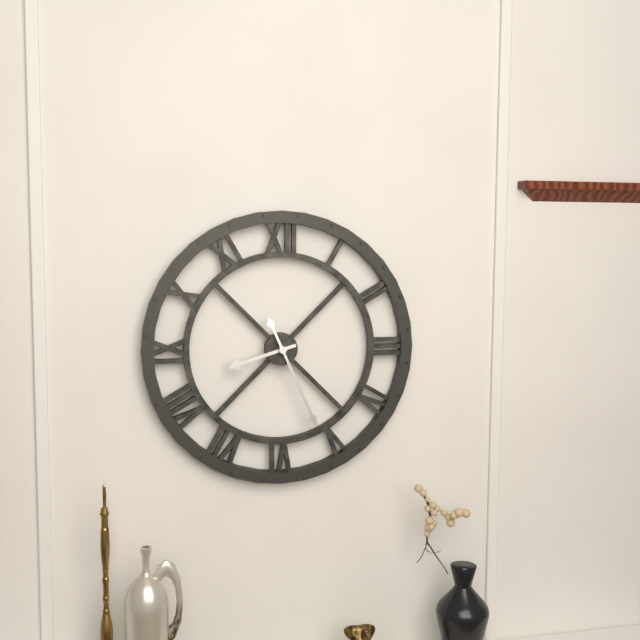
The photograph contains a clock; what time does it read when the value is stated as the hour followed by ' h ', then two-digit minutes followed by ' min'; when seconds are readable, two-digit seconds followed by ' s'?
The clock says 8 h 26 min
